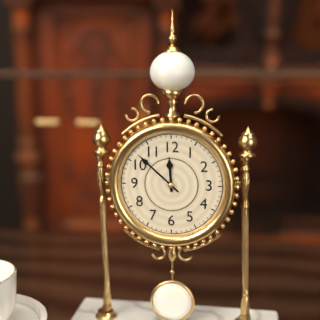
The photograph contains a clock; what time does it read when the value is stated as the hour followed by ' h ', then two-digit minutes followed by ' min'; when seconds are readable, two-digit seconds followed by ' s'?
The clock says 11 h 52 min
